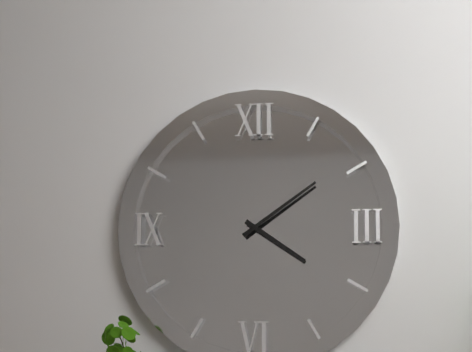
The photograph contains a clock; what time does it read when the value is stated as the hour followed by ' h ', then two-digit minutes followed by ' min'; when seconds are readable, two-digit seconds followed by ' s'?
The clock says 4 h 09 min
